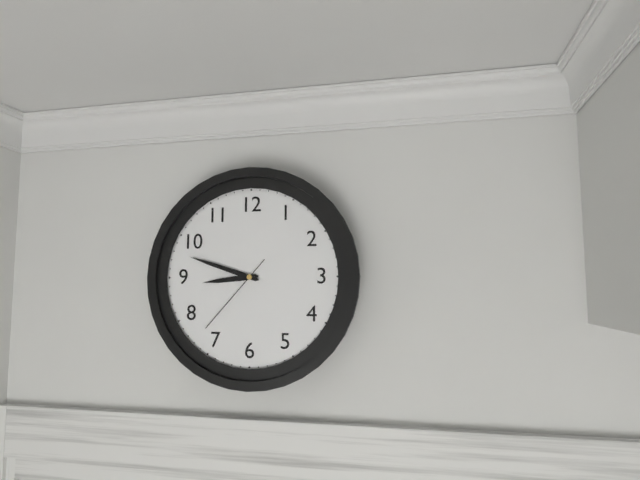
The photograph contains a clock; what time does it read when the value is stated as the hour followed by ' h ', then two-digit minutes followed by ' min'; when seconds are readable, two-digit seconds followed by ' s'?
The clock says 8 h 48 min 37 s
